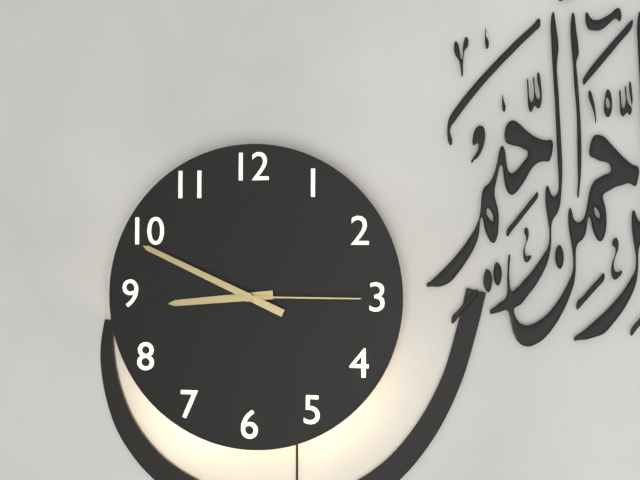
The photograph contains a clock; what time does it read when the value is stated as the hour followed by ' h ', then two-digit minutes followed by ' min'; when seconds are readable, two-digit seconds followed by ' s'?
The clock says 8 h 49 min 15 s
